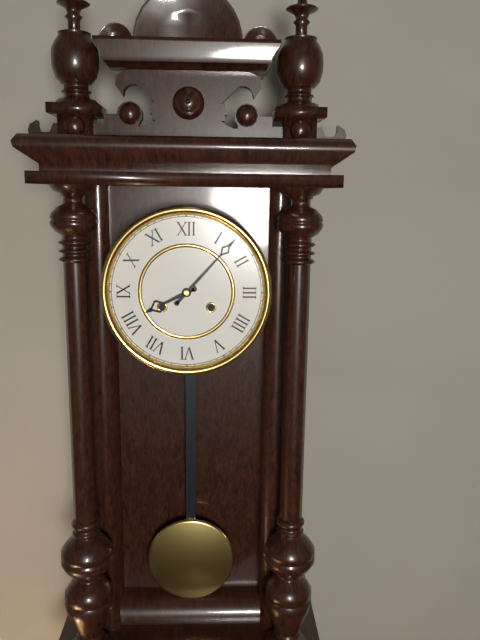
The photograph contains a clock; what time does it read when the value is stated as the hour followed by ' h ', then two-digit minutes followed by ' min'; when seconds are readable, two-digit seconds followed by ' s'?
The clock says 8 h 07 min
